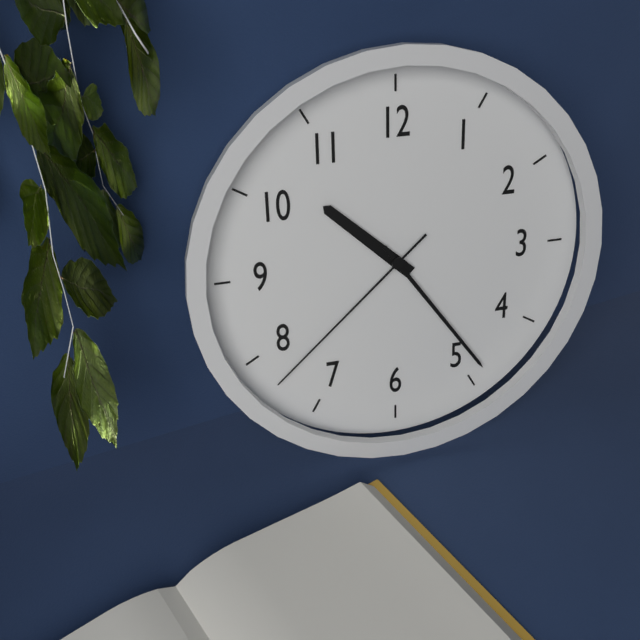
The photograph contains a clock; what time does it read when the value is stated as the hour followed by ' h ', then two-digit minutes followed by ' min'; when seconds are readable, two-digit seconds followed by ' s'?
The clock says 10 h 24 min 38 s
